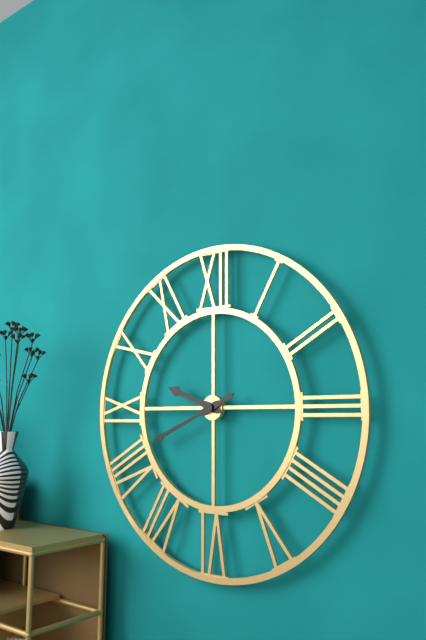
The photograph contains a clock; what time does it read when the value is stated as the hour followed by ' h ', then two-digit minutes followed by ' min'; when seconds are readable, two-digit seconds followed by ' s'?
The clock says 9 h 41 min
